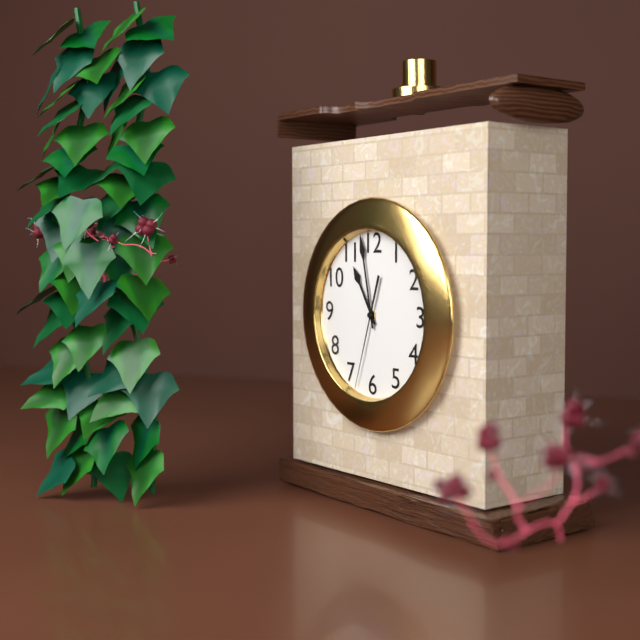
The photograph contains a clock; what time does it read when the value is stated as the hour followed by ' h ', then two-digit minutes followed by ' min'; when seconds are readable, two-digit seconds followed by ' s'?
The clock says 10 h 58 min 33 s
